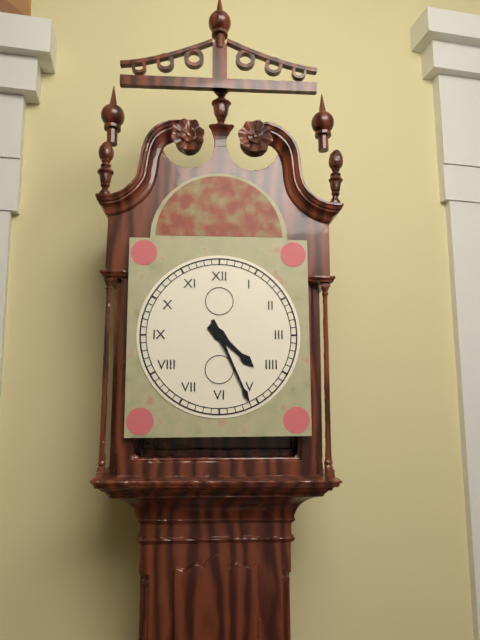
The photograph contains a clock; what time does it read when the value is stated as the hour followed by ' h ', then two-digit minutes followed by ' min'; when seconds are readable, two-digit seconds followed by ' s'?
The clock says 4 h 26 min
